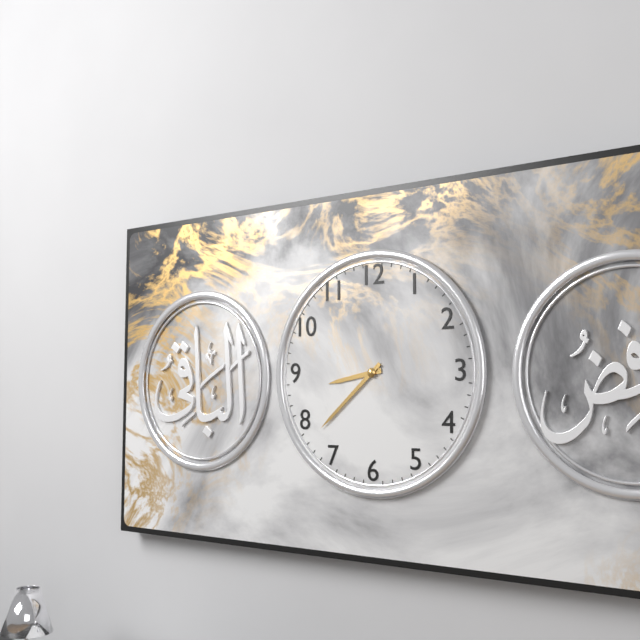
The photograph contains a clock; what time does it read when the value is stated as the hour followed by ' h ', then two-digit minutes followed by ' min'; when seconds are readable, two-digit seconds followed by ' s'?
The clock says 8 h 38 min
